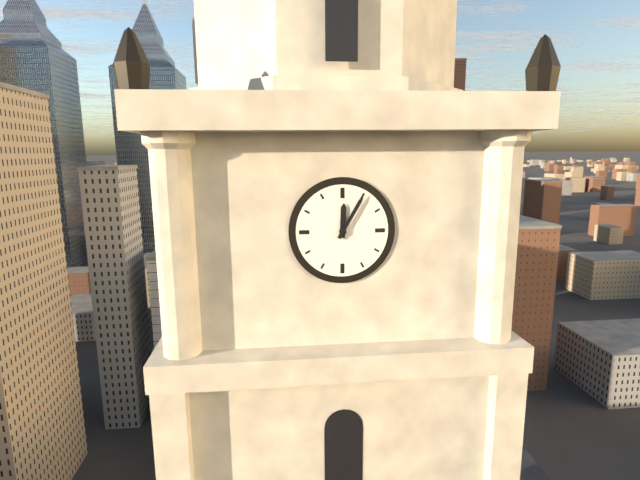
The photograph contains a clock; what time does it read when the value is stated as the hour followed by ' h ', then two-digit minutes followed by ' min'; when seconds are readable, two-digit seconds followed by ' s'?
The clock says 12 h 05 min
